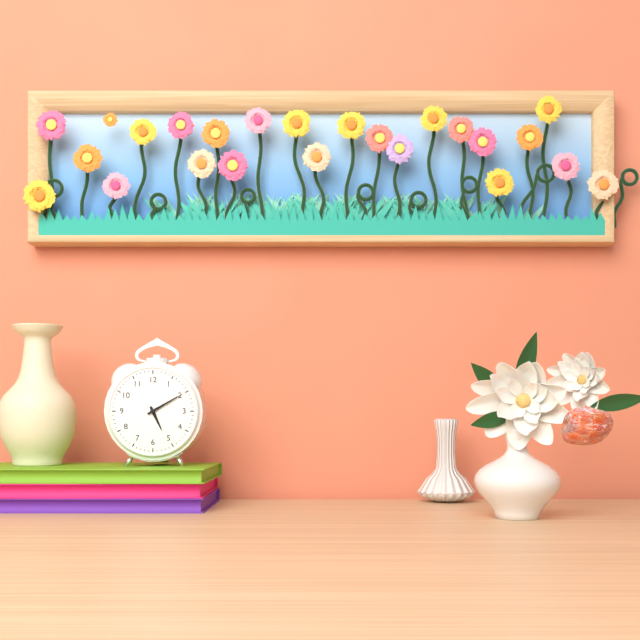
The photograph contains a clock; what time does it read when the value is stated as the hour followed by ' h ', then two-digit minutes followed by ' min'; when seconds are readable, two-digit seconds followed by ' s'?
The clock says 5 h 10 min
